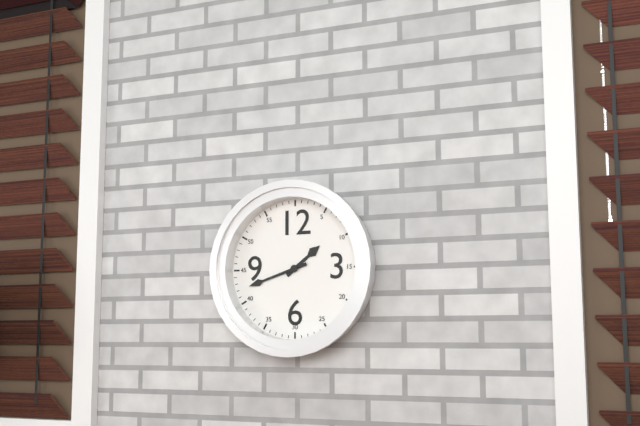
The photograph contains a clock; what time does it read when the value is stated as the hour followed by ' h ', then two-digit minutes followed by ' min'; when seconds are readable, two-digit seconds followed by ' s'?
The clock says 1 h 42 min
